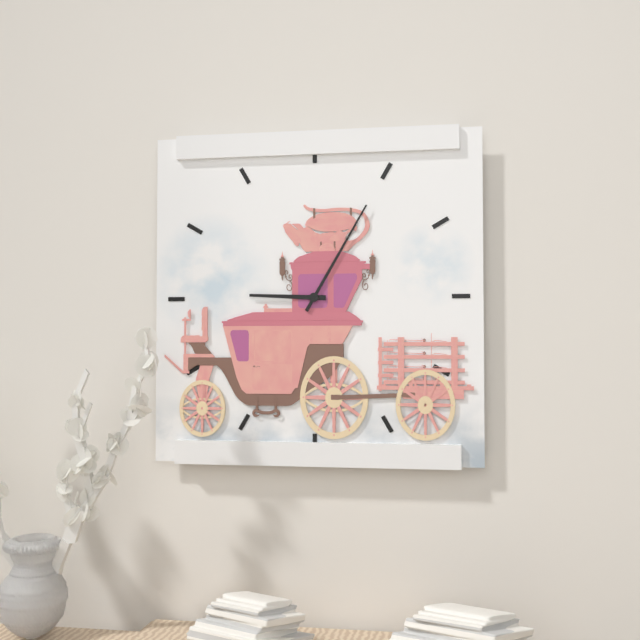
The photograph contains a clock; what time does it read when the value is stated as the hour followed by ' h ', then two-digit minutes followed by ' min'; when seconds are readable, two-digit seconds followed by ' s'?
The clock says 9 h 05 min
